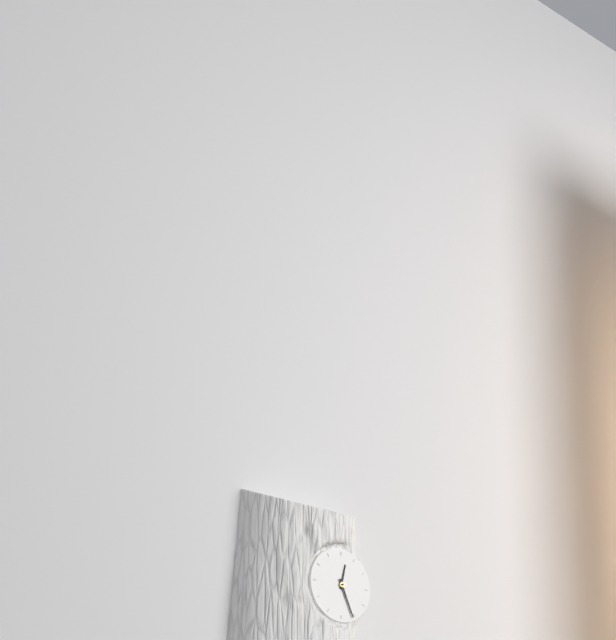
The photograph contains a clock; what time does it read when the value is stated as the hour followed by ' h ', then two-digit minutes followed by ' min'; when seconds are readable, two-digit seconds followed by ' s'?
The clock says 12 h 26 min
